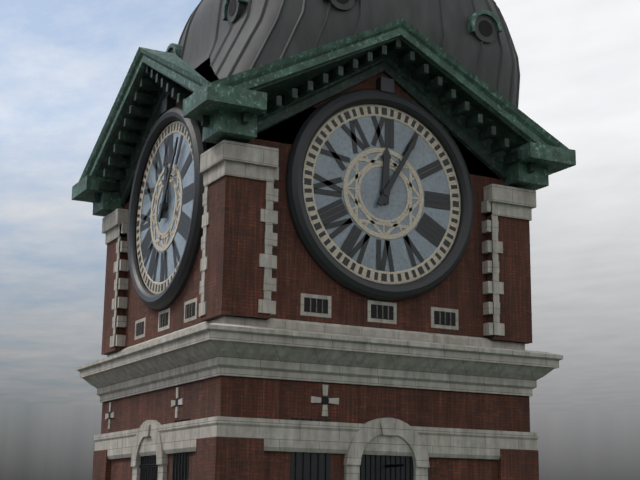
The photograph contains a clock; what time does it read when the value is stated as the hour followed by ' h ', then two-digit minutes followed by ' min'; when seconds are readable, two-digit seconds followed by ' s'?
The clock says 12 h 05 min
